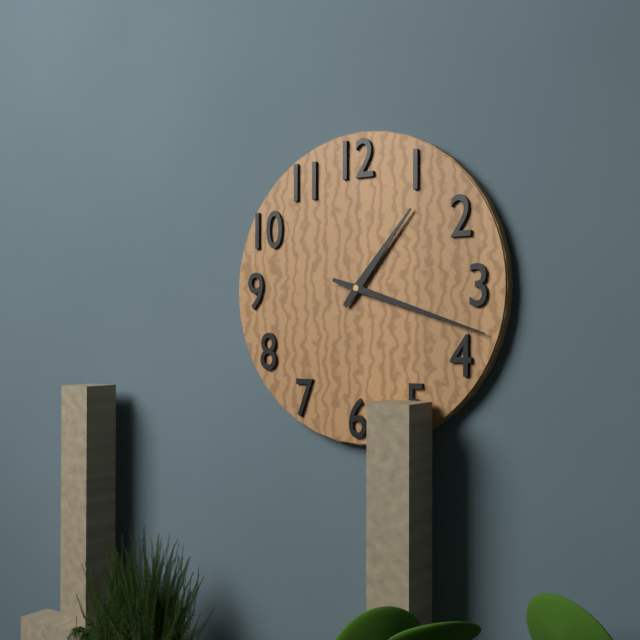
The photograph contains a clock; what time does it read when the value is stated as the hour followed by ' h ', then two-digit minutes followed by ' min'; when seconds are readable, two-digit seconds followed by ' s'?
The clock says 1 h 18 min
